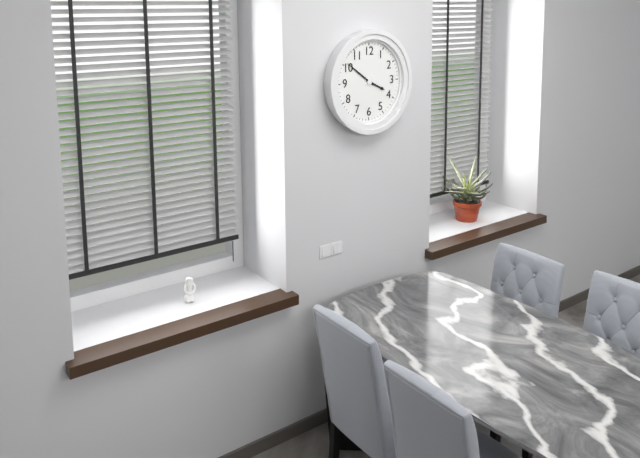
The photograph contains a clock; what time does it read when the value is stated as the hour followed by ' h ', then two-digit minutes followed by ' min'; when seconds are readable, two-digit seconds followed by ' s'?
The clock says 3 h 51 min
